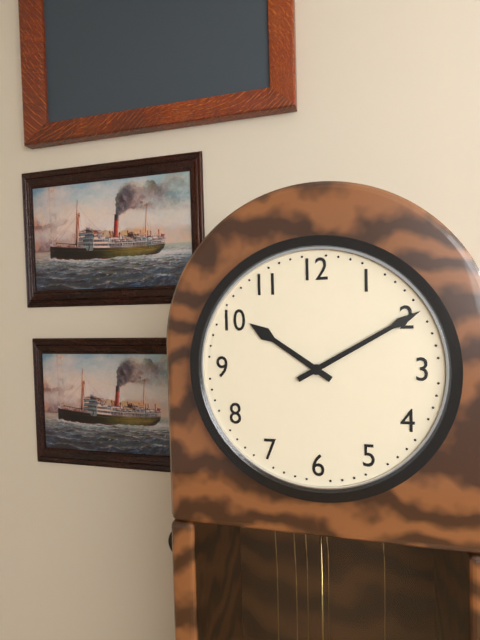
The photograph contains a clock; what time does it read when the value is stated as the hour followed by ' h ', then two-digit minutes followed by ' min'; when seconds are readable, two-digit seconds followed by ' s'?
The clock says 10 h 10 min
